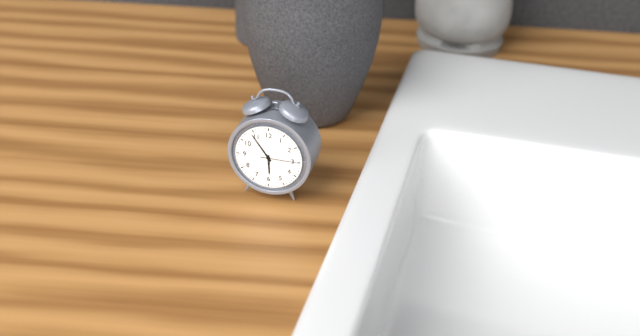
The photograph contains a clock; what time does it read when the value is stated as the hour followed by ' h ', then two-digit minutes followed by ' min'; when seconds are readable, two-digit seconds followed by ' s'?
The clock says 5 h 54 min
